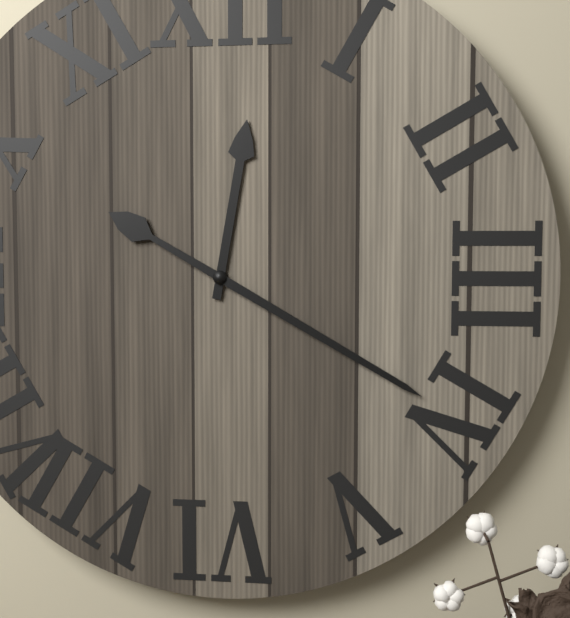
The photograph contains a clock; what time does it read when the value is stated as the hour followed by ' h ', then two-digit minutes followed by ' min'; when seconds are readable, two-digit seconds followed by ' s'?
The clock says 12 h 20 min
